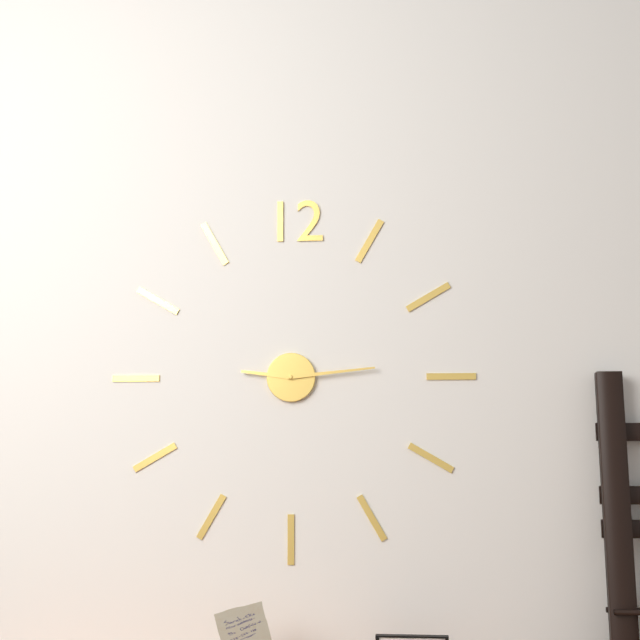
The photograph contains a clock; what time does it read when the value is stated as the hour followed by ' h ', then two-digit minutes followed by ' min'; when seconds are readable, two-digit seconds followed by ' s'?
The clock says 9 h 14 min
